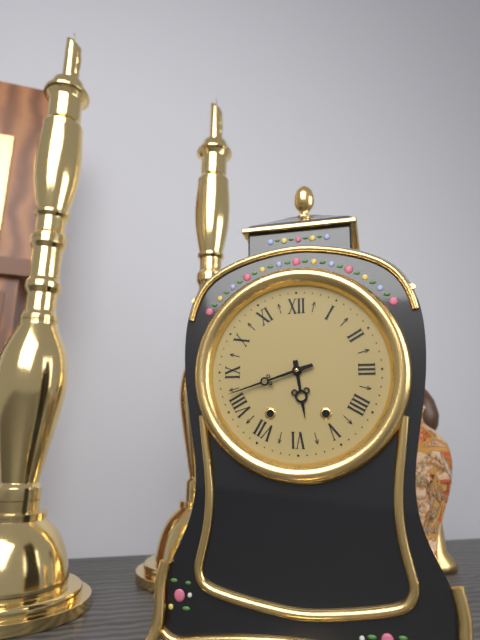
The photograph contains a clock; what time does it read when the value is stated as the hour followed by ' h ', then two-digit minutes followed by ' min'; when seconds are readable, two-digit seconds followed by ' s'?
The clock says 5 h 42 min
